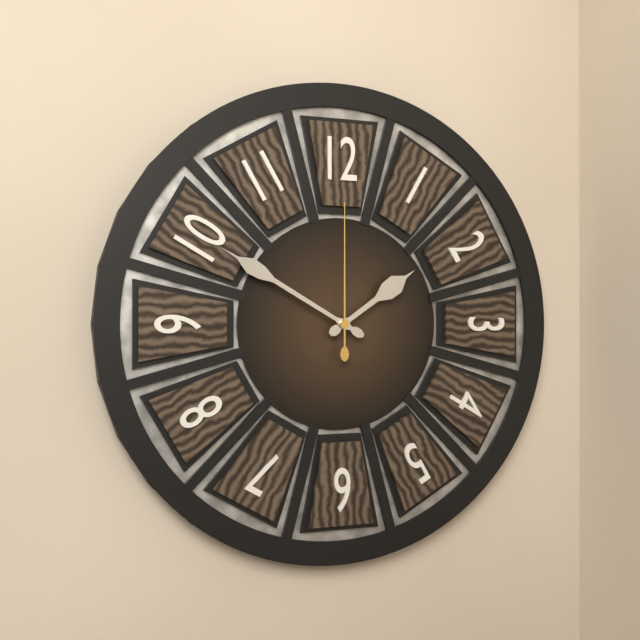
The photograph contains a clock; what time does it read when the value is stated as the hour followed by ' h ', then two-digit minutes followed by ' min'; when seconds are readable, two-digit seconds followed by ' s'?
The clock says 1 h 50 min 00 s
